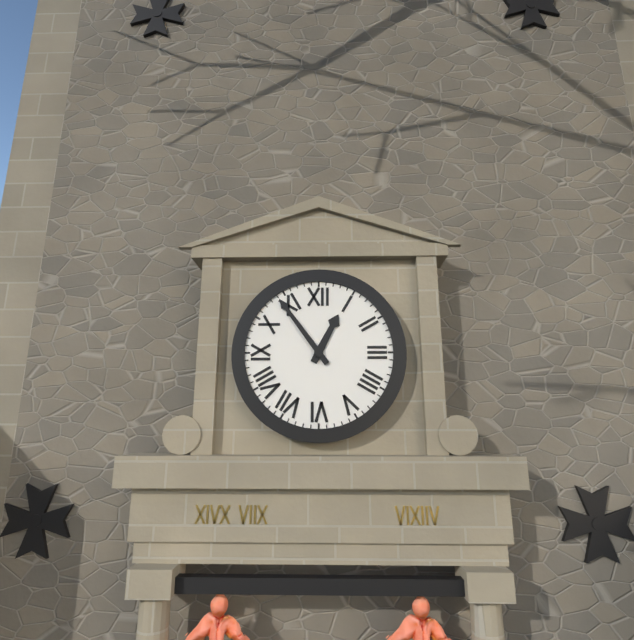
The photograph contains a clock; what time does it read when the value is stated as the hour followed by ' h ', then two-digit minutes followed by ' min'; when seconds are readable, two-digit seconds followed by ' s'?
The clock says 12 h 54 min
